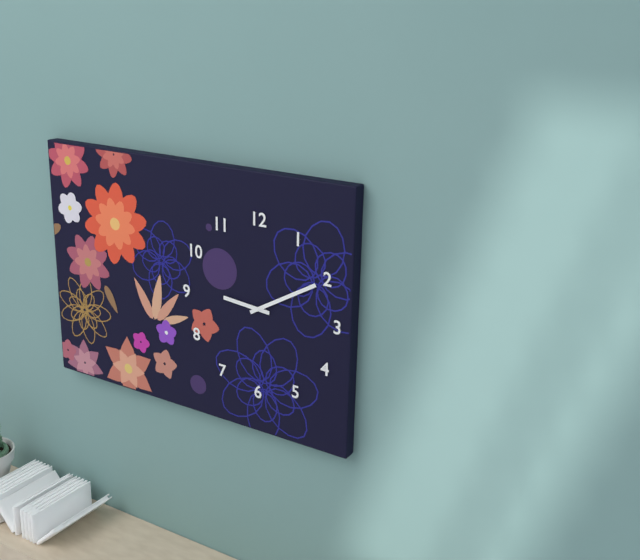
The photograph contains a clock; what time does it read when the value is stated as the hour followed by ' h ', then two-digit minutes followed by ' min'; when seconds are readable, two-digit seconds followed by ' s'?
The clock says 9 h 10 min
